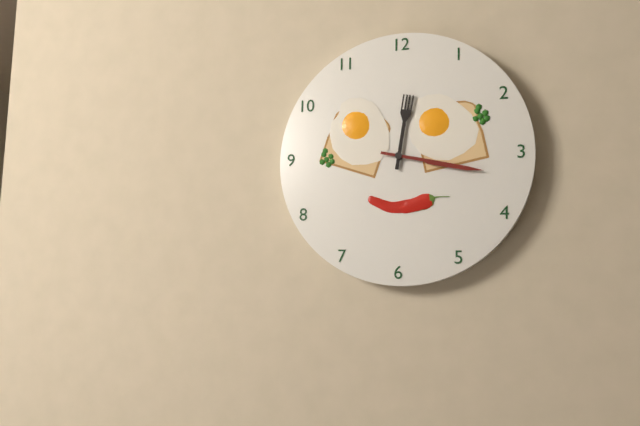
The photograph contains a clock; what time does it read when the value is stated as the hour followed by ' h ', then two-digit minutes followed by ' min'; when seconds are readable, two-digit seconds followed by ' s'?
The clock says 12 h 17 min
